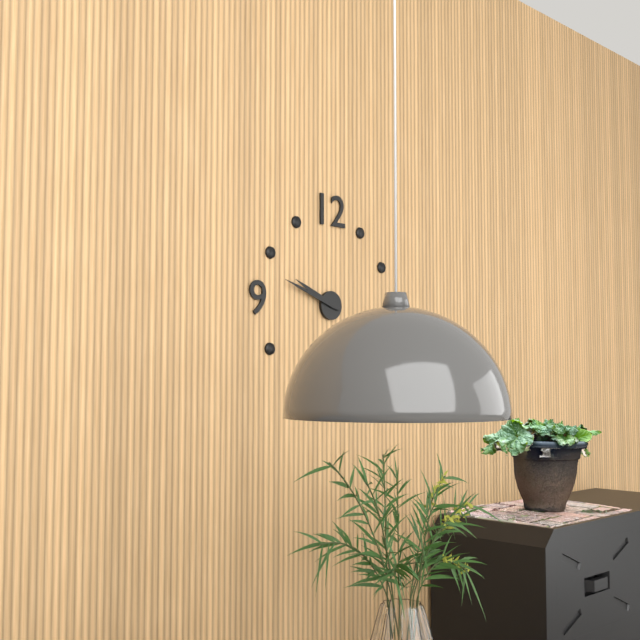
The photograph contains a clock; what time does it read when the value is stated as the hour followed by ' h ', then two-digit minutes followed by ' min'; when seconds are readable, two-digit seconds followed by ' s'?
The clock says 9 h 48 min
